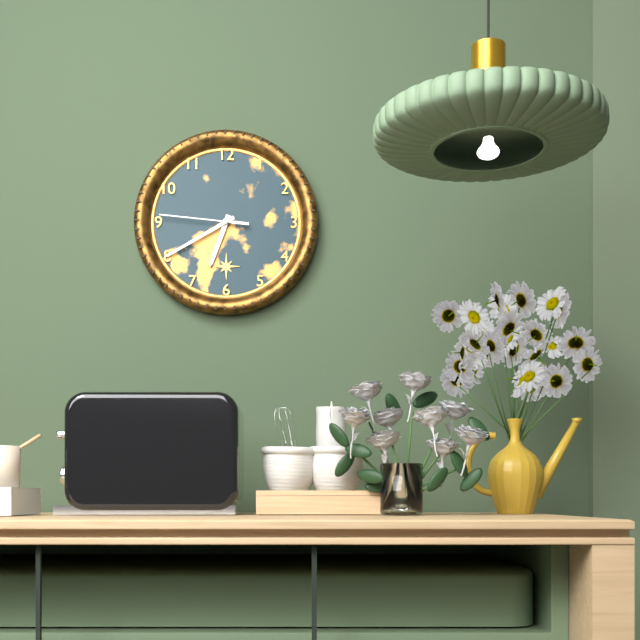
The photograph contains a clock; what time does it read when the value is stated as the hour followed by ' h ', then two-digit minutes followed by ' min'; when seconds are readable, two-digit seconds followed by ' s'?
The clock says 6 h 40 min 46 s
